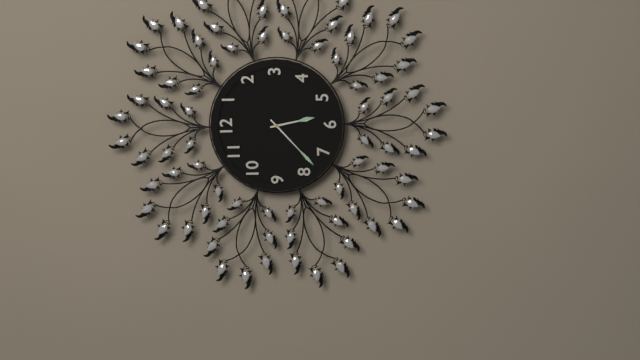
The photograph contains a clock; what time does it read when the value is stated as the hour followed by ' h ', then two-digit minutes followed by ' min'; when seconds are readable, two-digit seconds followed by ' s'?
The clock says 5 h 38 min
